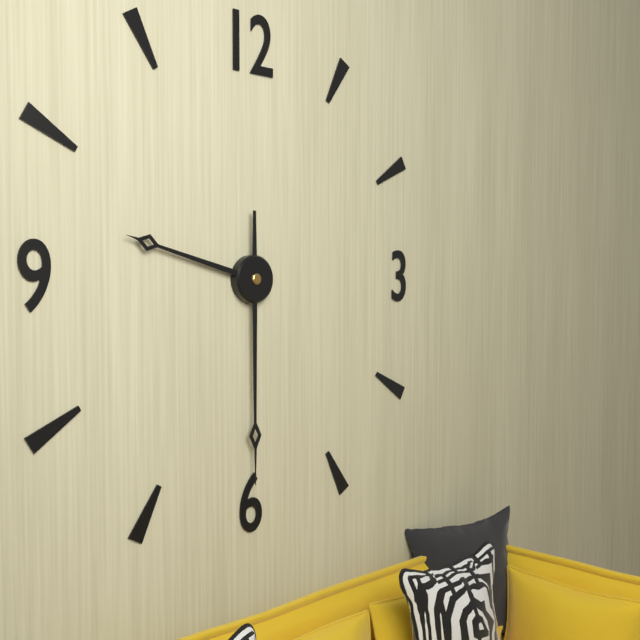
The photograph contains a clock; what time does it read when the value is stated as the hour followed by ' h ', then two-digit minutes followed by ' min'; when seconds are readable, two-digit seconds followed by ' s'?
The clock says 9 h 30 min
